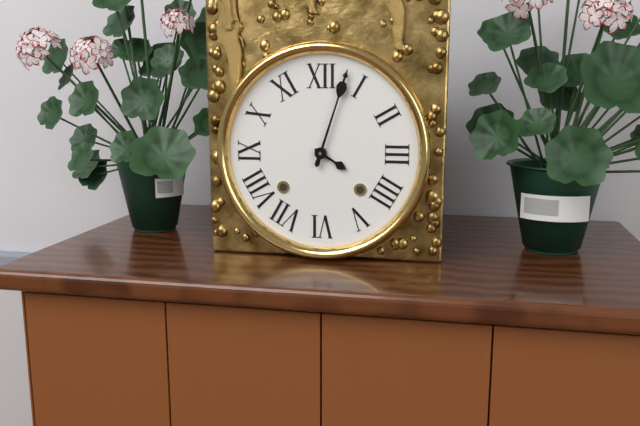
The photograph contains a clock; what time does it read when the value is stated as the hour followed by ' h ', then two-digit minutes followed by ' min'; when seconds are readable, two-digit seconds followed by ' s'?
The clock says 4 h 03 min
